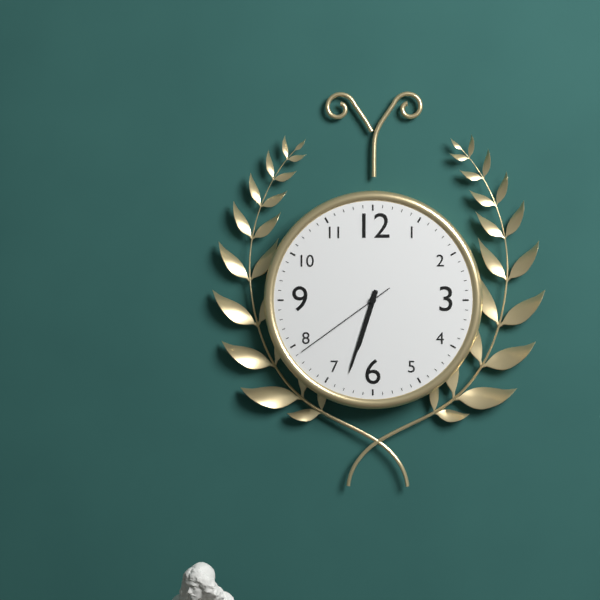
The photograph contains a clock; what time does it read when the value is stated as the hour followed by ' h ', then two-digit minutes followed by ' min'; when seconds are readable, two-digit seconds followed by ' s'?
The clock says 6 h 33 min 39 s
